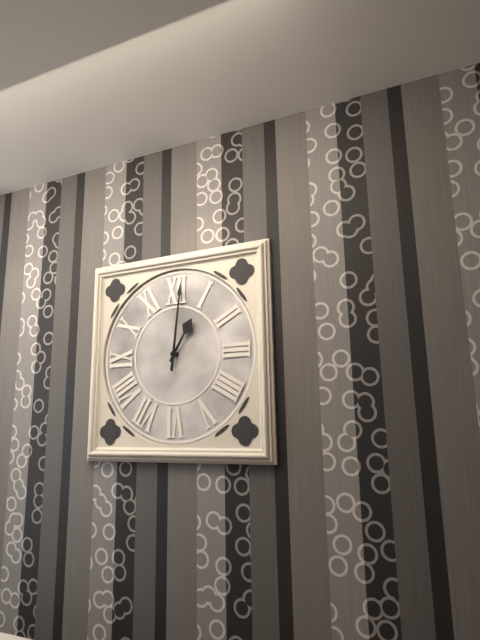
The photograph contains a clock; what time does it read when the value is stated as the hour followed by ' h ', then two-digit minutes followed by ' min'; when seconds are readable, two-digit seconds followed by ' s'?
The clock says 1 h 01 min
